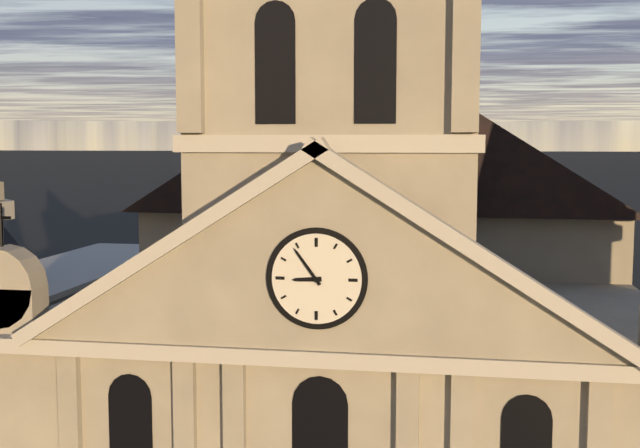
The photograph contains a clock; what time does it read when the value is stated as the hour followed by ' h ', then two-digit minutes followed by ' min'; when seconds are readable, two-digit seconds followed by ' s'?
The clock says 8 h 54 min
